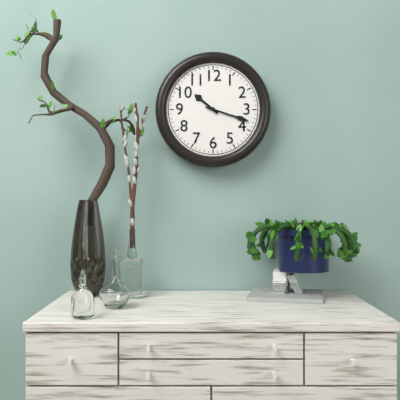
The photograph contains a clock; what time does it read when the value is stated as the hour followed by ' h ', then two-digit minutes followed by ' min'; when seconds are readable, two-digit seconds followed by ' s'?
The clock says 10 h 18 min
